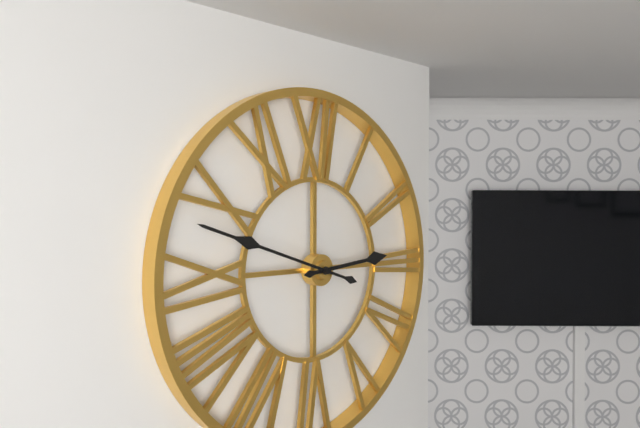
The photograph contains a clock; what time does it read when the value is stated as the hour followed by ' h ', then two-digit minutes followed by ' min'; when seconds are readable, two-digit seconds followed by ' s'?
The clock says 2 h 48 min
